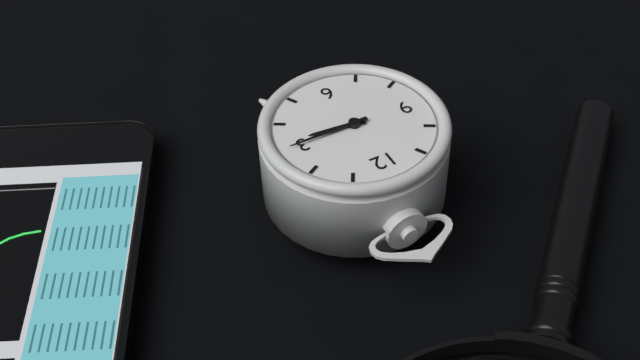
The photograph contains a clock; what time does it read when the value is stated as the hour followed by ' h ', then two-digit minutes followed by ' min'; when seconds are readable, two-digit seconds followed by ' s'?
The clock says 3 h 15 min
